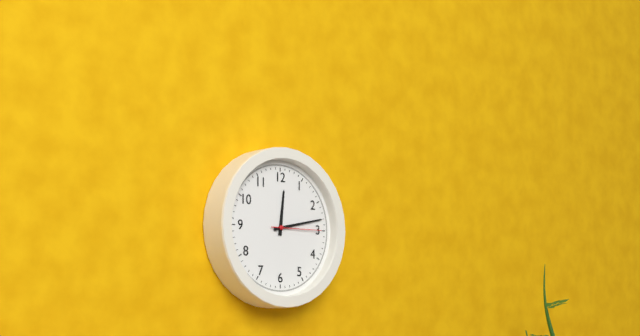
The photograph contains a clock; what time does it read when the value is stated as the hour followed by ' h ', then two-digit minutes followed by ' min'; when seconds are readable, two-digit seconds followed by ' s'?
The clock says 12 h 13 min 15 s
